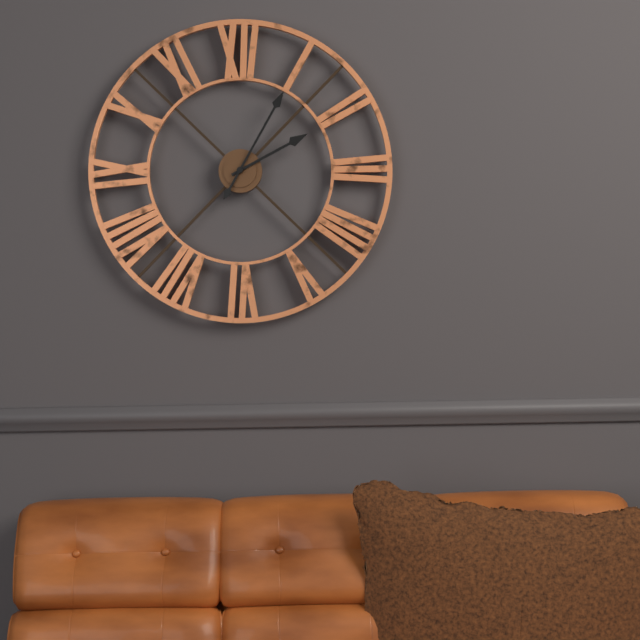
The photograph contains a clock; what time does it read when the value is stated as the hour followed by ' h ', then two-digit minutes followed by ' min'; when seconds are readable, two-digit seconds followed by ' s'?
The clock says 2 h 05 min
